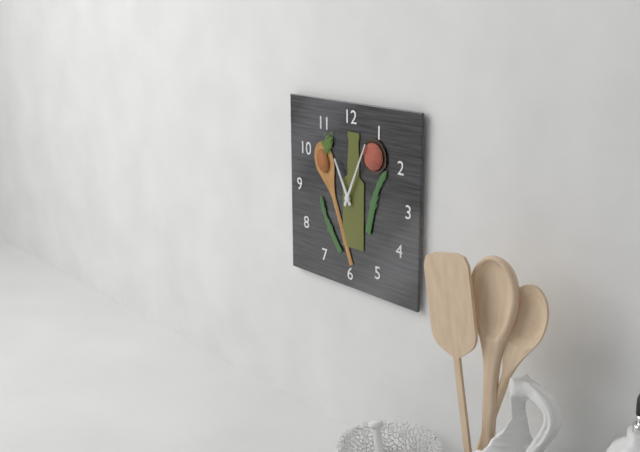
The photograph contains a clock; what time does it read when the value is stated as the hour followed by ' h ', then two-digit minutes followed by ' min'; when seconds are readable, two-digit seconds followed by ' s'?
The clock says 11 h 04 min
